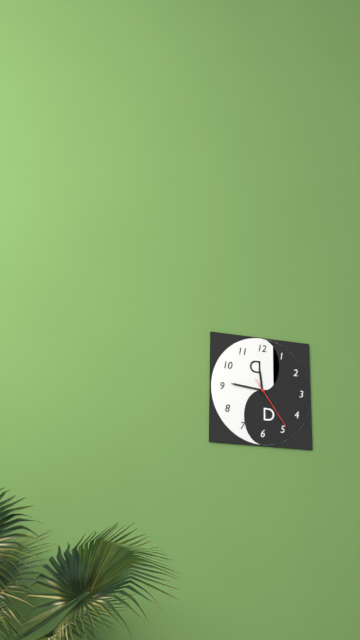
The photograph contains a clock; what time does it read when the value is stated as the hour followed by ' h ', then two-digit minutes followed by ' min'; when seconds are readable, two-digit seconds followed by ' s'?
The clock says 11 h 46 min 24 s
